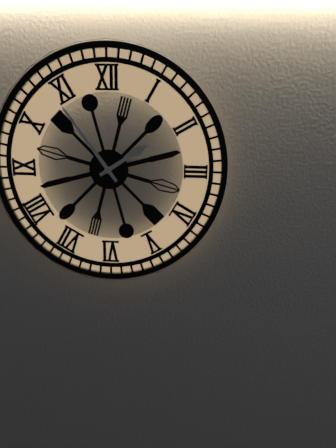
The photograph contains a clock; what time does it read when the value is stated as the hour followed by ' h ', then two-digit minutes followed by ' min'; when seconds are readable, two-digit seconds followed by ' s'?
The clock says 1 h 54 min
